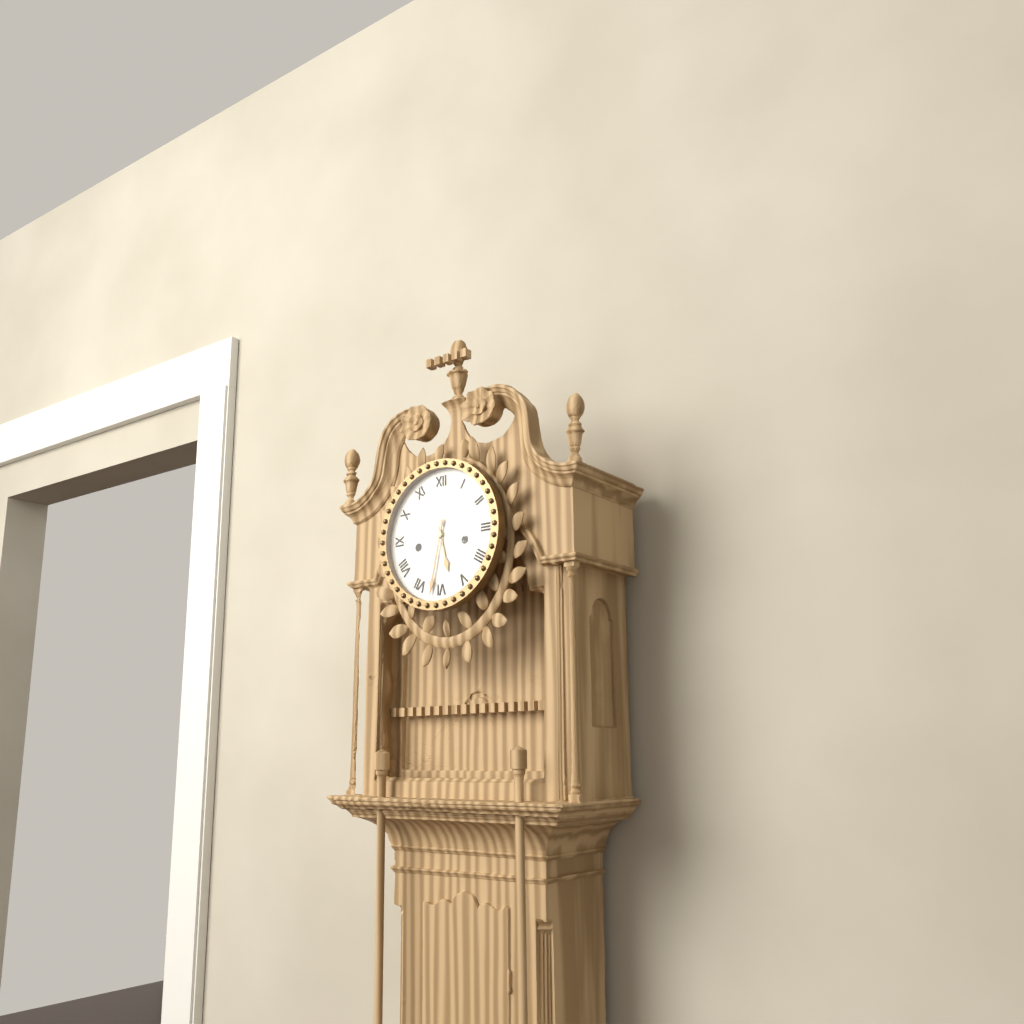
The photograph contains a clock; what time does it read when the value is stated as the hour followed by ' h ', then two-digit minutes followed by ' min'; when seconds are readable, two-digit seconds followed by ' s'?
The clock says 5 h 32 min
